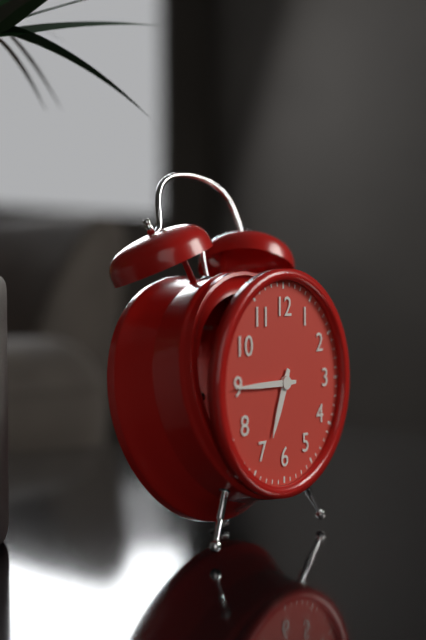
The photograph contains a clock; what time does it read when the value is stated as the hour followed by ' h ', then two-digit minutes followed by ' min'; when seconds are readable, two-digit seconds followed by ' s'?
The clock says 6 h 45 min
